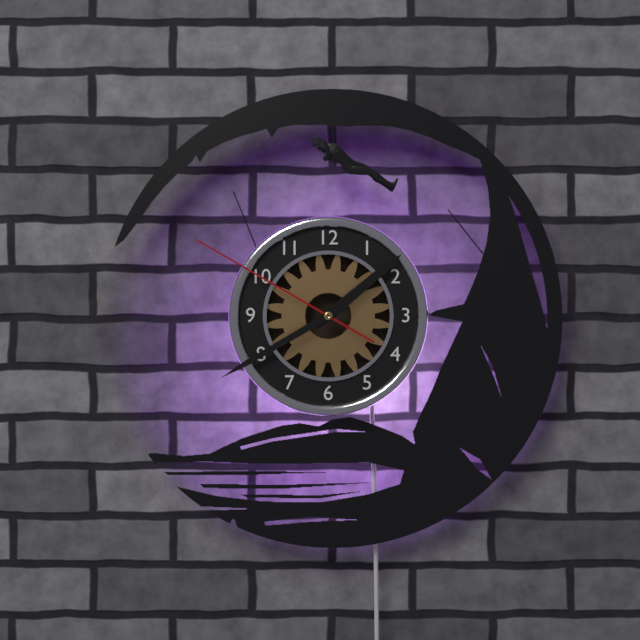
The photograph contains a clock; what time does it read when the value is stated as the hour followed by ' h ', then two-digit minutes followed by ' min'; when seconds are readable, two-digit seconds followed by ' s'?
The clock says 1 h 40 min 50 s
